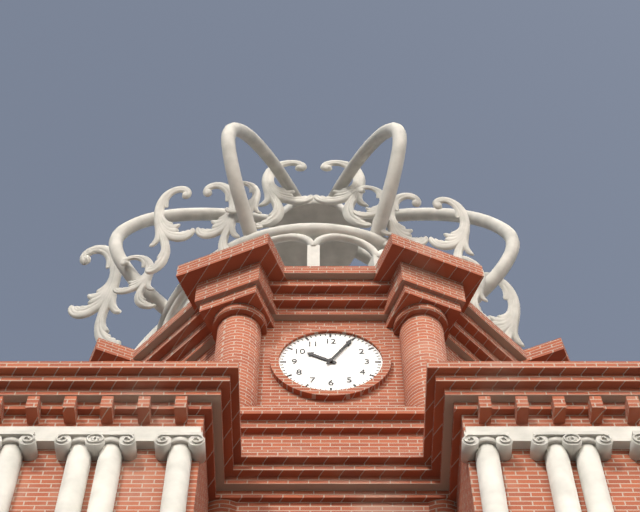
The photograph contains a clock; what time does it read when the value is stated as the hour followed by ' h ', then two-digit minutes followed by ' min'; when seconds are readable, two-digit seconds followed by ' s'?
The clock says 10 h 05 min
